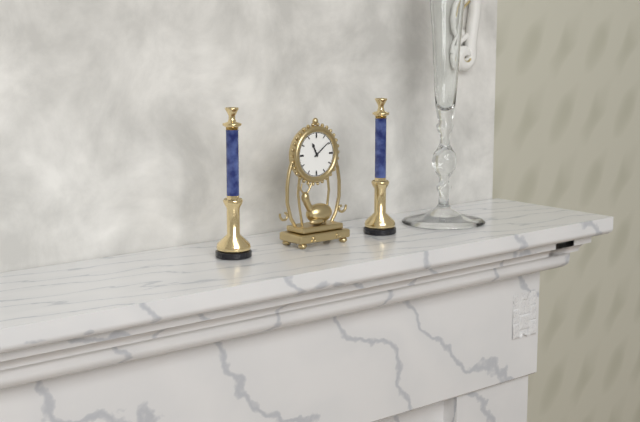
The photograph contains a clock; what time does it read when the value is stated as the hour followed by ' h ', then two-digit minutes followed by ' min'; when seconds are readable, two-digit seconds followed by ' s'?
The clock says 11 h 09 min
